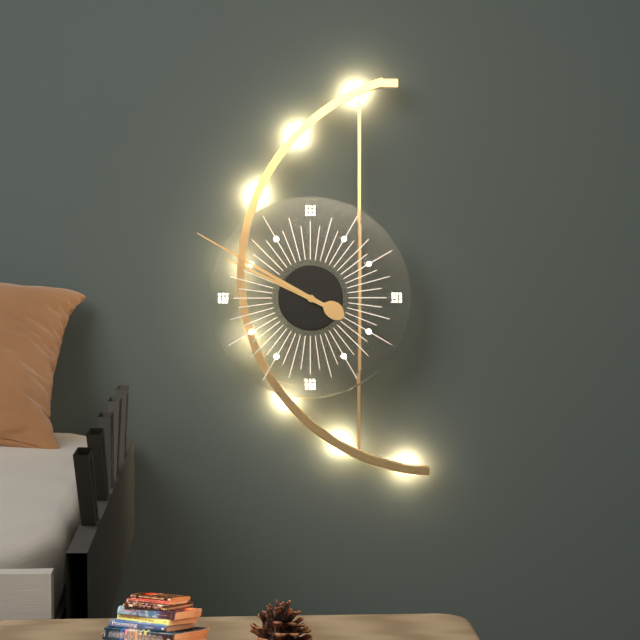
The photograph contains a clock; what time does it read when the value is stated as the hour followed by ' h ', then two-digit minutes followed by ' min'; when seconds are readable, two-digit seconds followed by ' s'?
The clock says 9 h 50 min
